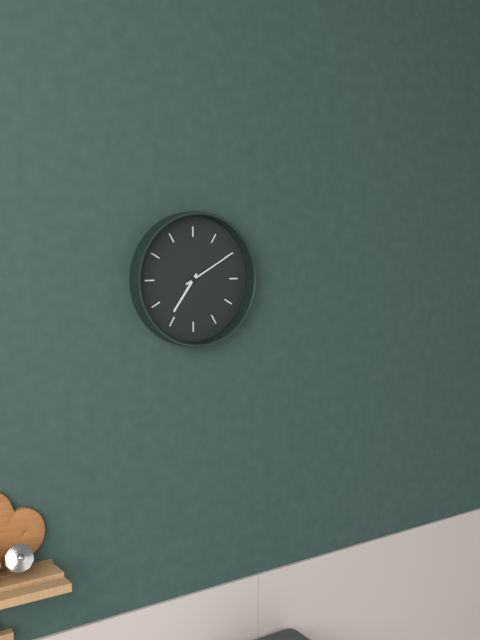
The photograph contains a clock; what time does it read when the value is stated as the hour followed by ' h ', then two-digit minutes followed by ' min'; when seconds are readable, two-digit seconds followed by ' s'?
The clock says 7 h 10 min
